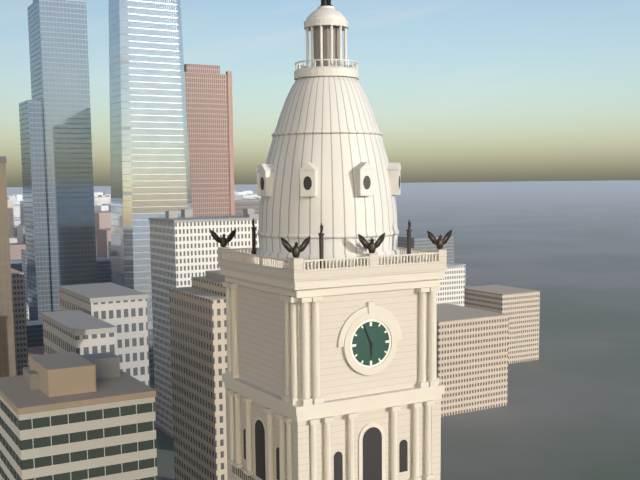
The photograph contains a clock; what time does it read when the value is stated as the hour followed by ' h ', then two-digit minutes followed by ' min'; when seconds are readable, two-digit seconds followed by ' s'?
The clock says 5 h 56 min
